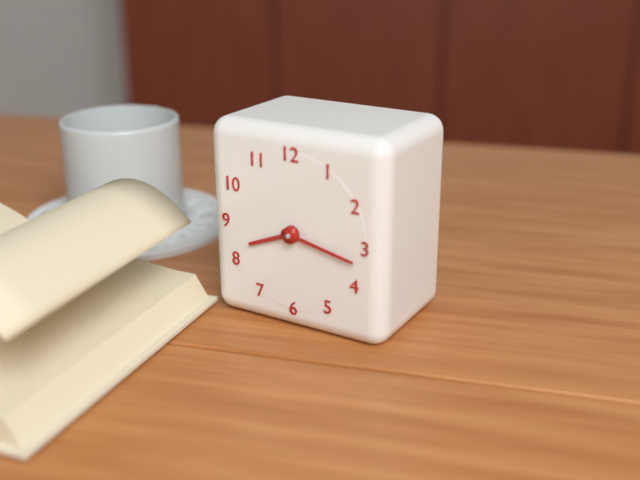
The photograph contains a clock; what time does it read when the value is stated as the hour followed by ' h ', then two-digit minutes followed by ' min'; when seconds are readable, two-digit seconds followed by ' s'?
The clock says 8 h 17 min
